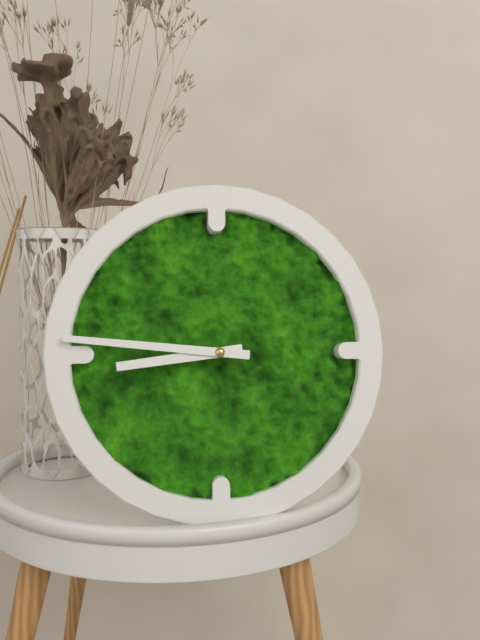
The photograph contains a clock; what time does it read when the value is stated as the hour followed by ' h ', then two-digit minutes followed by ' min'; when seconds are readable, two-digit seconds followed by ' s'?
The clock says 8 h 46 min
